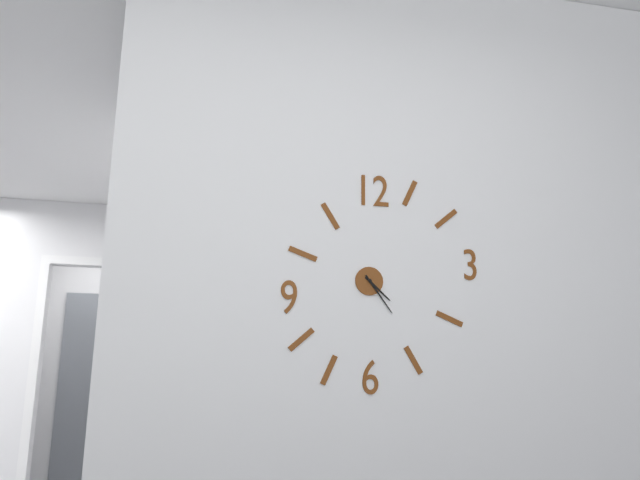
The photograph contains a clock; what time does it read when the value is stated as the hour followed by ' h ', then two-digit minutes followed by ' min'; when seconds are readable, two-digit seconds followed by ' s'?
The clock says 4 h 24 min
